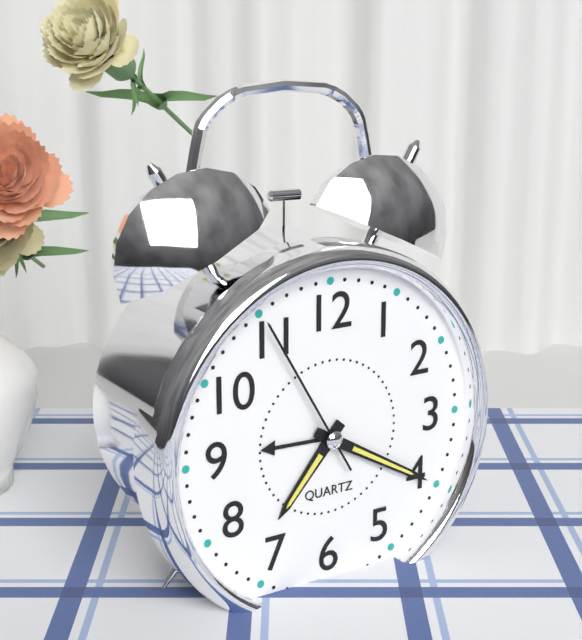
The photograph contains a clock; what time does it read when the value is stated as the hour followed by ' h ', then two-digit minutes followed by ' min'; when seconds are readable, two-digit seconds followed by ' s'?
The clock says 7 h 20 min 55 s
